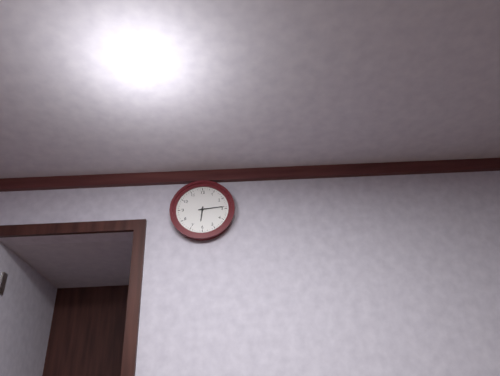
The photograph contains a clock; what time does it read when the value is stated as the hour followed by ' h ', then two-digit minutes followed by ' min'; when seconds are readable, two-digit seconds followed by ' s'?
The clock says 6 h 14 min
